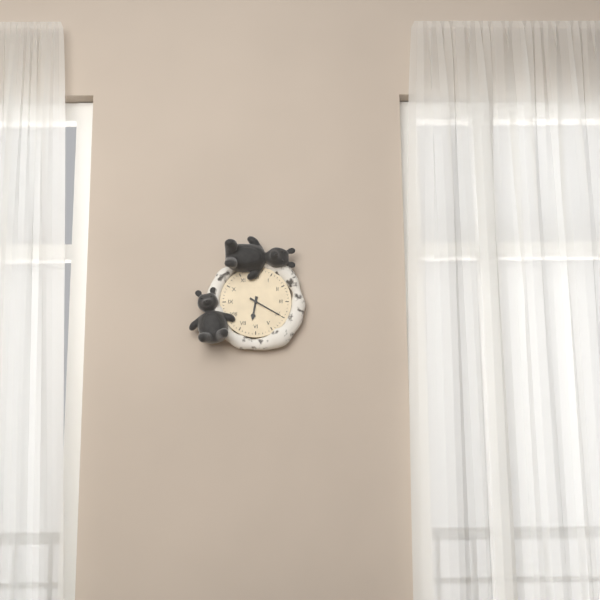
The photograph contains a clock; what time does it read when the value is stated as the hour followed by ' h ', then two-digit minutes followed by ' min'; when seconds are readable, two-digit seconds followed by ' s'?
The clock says 6 h 20 min
